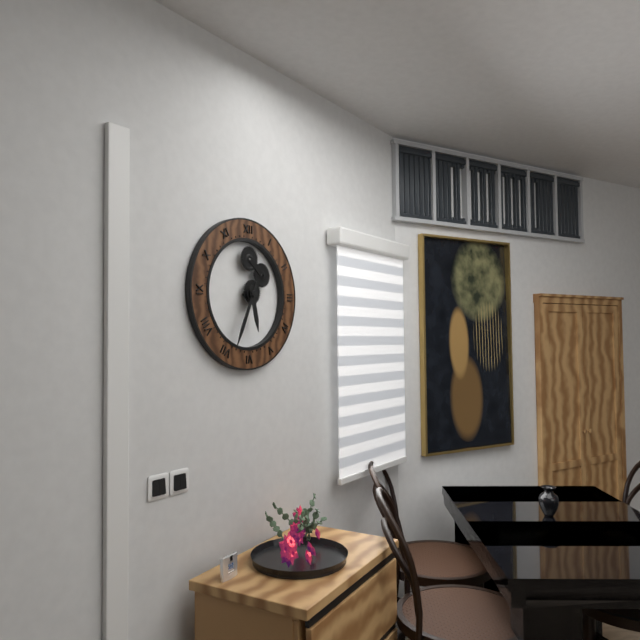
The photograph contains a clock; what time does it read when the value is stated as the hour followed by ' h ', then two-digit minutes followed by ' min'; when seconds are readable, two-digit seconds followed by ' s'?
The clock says 5 h 34 min
